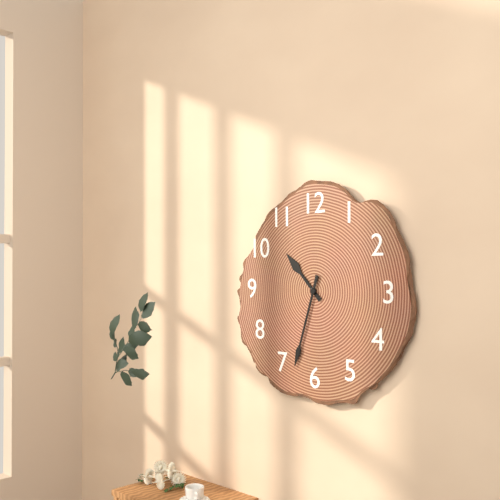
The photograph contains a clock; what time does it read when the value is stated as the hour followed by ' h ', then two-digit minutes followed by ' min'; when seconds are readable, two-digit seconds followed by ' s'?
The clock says 10 h 33 min
